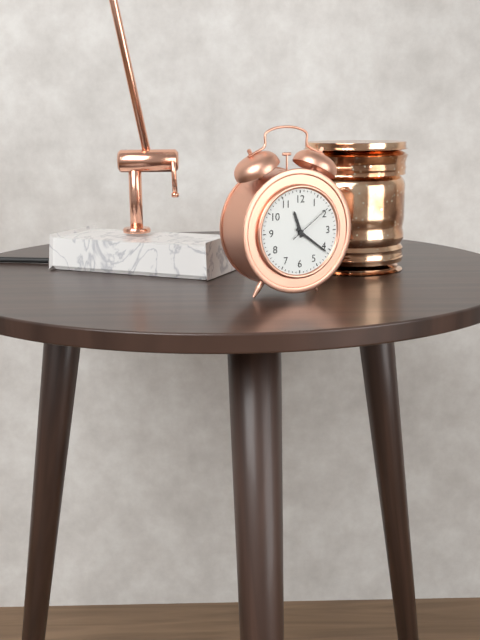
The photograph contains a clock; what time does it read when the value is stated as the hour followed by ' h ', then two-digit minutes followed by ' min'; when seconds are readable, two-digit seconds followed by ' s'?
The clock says 11 h 21 min
